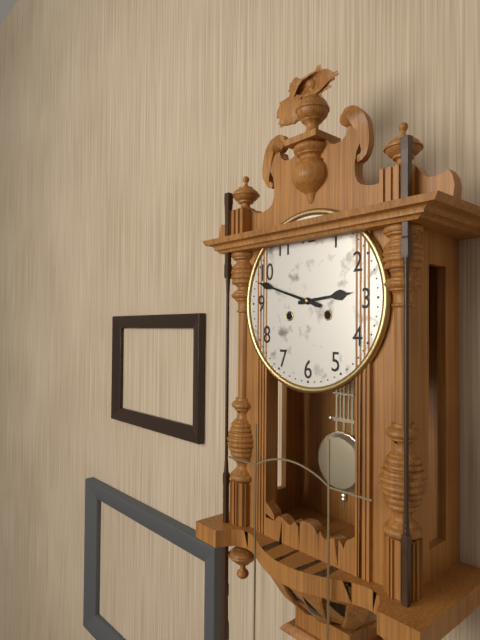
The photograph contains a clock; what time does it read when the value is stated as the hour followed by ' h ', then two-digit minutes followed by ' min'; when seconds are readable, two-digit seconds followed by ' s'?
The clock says 2 h 48 min
